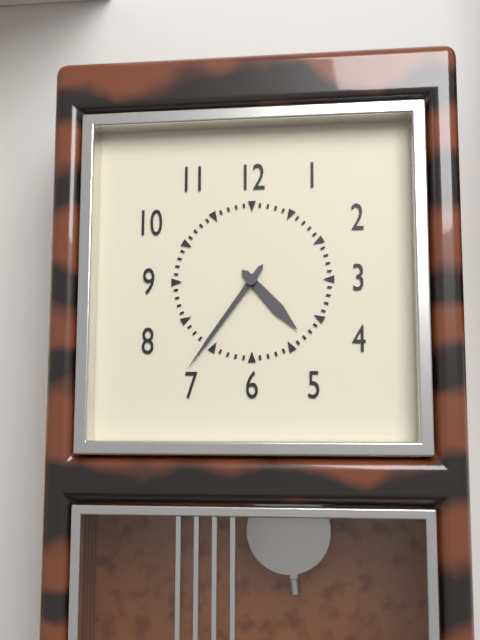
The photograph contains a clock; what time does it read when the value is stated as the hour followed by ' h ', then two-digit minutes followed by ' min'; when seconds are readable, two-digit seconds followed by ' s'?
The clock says 4 h 36 min
